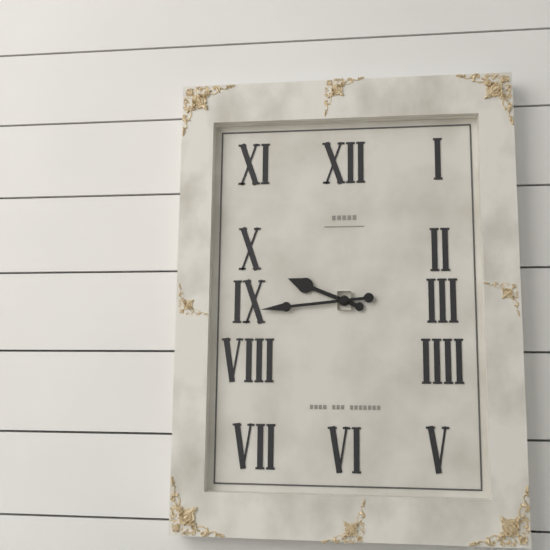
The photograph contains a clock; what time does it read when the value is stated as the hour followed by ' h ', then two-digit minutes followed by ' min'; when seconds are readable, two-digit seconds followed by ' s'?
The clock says 9 h 44 min
